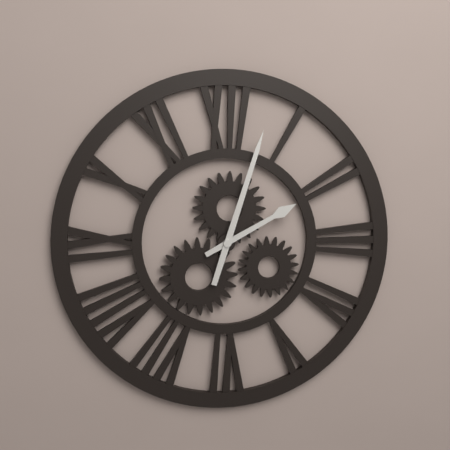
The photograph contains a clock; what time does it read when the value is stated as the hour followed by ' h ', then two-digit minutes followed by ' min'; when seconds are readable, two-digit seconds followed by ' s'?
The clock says 2 h 03 min
